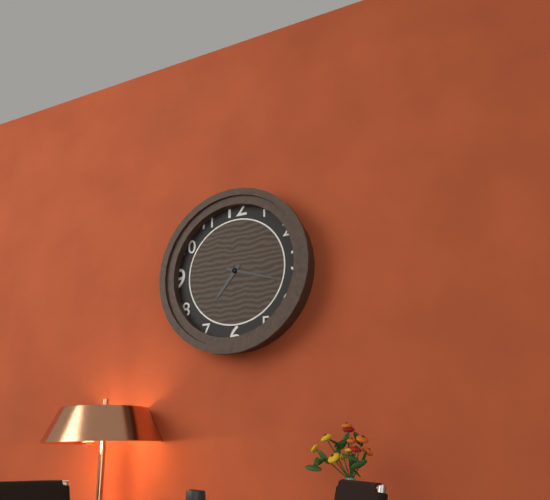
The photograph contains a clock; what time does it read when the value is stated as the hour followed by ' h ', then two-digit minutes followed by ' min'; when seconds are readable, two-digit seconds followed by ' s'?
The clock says 7 h 18 min
